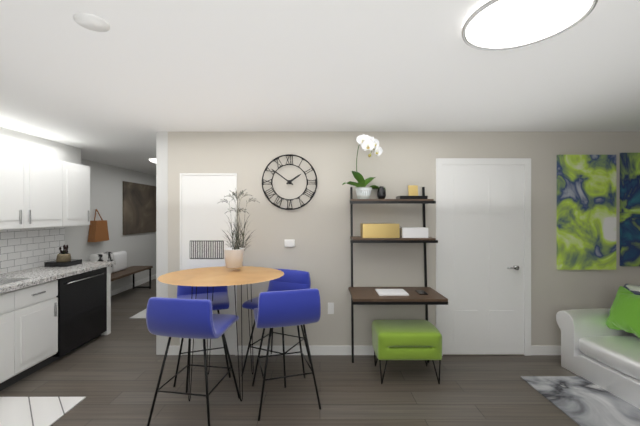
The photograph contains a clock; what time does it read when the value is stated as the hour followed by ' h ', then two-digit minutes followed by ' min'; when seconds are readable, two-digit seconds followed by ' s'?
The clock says 1 h 51 min
